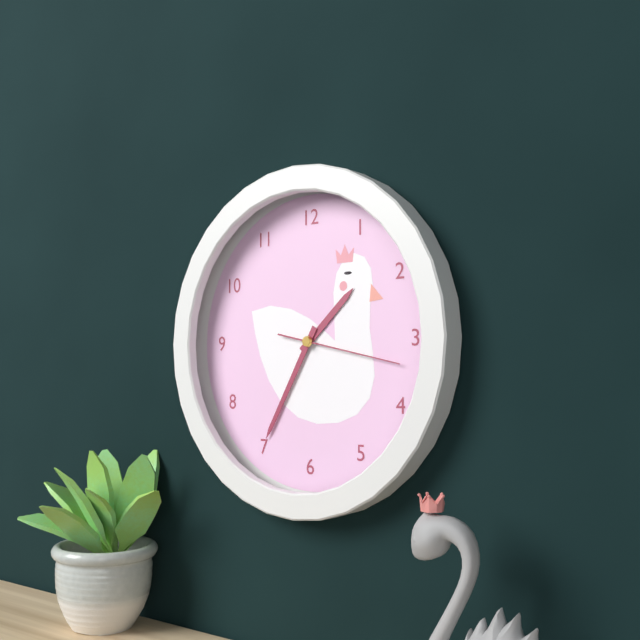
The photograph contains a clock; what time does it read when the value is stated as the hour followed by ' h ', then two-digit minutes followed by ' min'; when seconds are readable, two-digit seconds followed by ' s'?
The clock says 1 h 35 min 17 s
